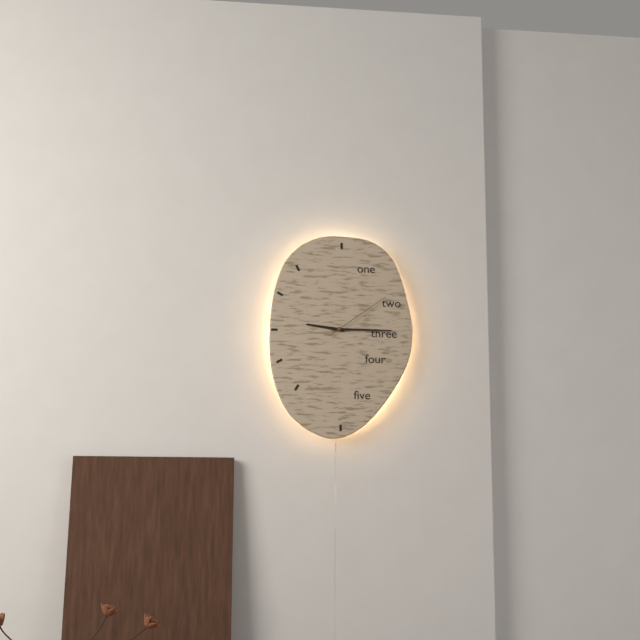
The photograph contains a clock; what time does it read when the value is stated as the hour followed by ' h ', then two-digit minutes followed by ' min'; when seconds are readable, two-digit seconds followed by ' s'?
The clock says 9 h 15 min 09 s
